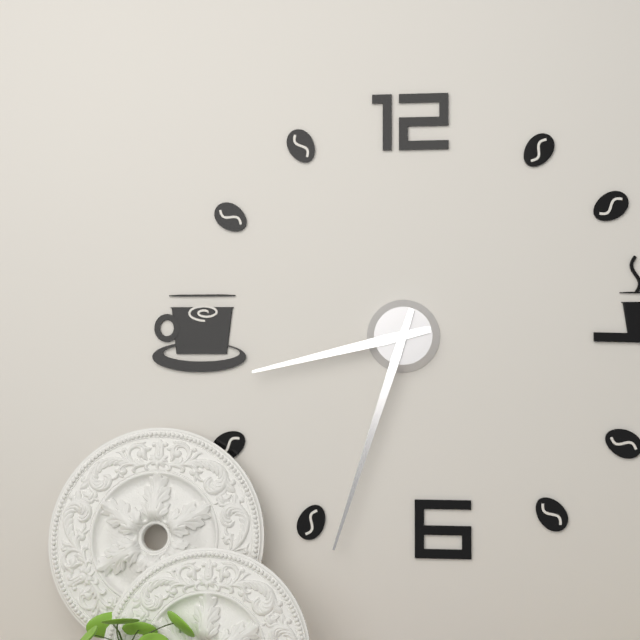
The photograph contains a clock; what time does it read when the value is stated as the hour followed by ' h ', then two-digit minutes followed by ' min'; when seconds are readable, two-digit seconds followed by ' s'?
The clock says 8 h 33 min
